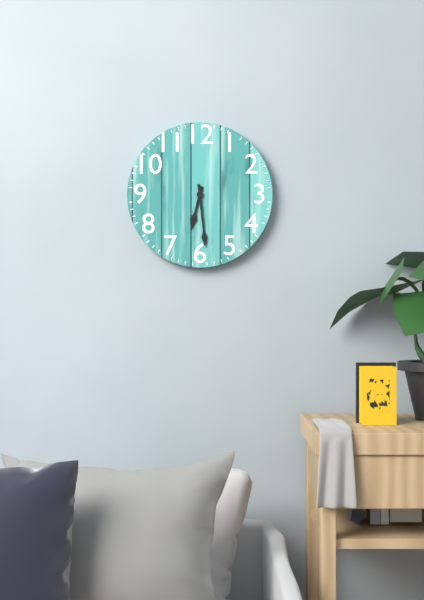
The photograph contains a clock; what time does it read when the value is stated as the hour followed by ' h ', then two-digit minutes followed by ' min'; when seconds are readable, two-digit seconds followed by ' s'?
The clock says 6 h 29 min
